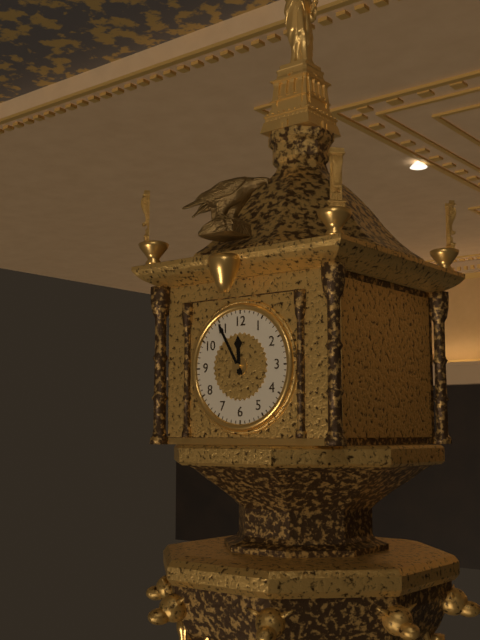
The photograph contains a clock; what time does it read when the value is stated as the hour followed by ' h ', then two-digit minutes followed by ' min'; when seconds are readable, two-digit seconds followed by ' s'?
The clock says 11 h 55 min
